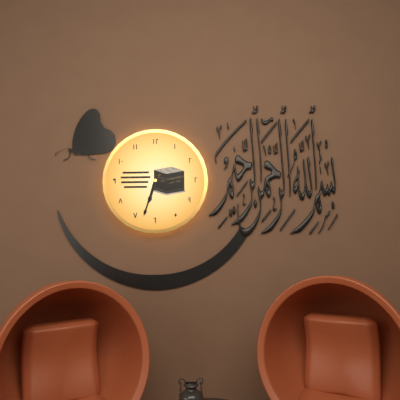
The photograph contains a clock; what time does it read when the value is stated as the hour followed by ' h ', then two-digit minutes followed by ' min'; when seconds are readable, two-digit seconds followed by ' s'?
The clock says 6 h 33 min
